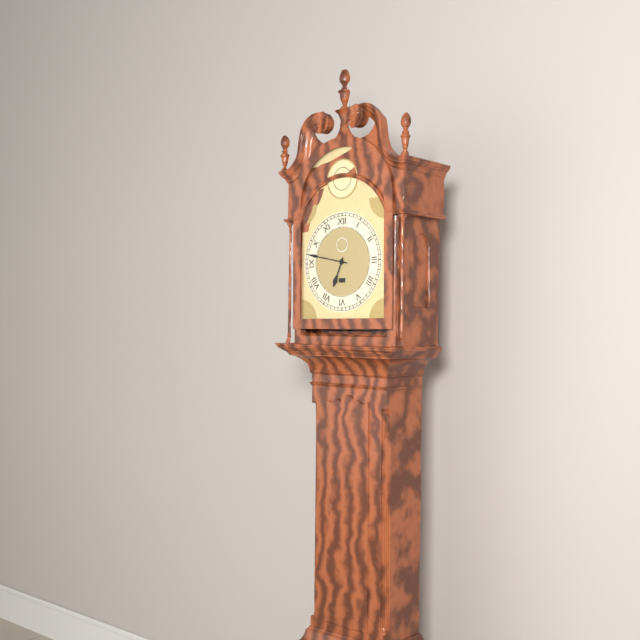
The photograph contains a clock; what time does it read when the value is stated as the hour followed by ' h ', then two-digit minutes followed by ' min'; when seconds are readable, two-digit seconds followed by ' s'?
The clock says 6 h 47 min
